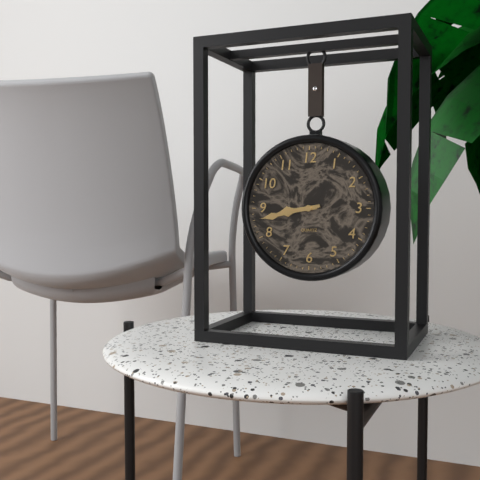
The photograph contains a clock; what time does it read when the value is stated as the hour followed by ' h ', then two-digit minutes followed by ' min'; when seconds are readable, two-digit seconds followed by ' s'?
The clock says 8 h 43 min
